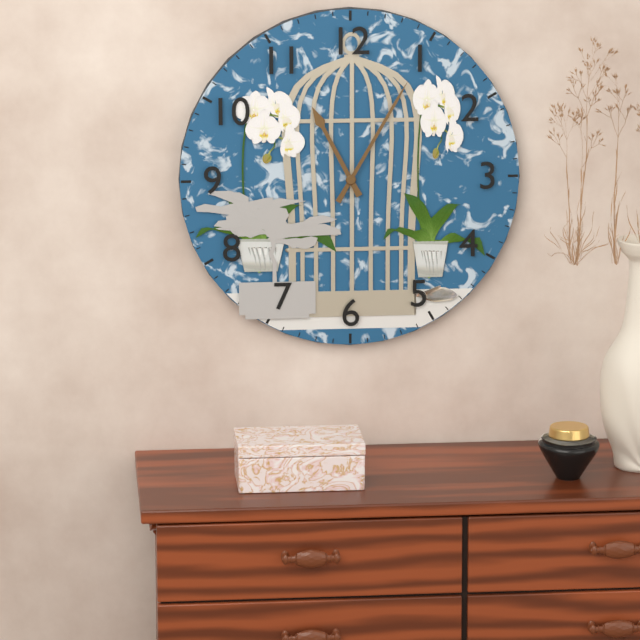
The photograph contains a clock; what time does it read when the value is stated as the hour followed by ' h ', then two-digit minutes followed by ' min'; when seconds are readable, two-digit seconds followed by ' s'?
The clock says 11 h 05 min
